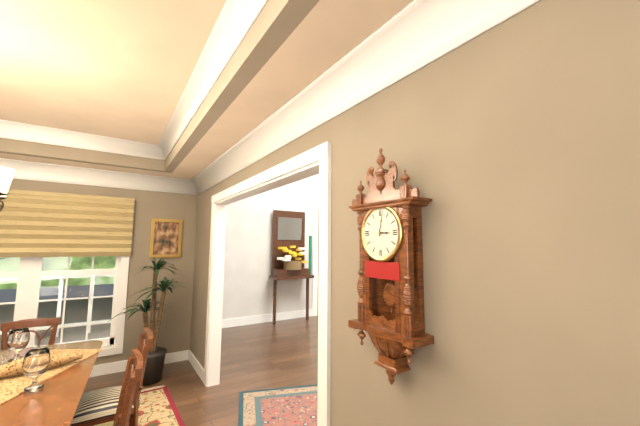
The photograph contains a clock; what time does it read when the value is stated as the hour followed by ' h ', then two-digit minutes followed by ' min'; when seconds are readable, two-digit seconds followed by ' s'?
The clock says 3 h 02 min
